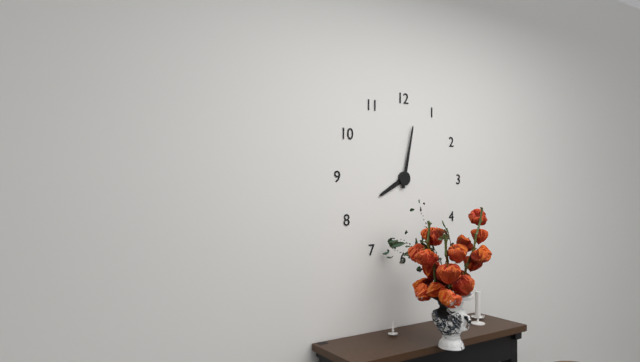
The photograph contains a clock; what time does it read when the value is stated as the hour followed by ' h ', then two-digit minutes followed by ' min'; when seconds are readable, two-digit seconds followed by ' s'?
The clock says 8 h 02 min
